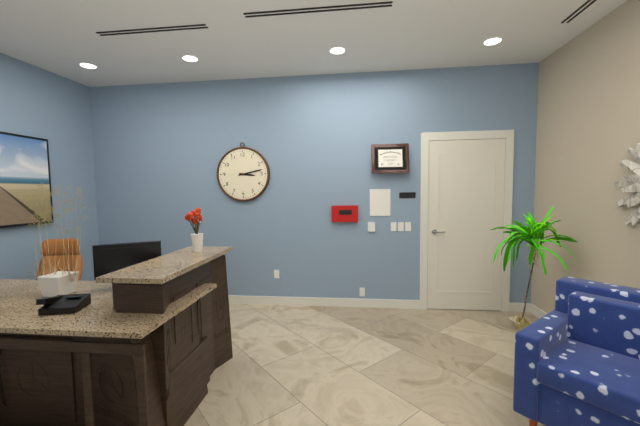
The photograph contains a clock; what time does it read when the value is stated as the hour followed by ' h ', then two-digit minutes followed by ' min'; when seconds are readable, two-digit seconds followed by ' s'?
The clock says 3 h 13 min
